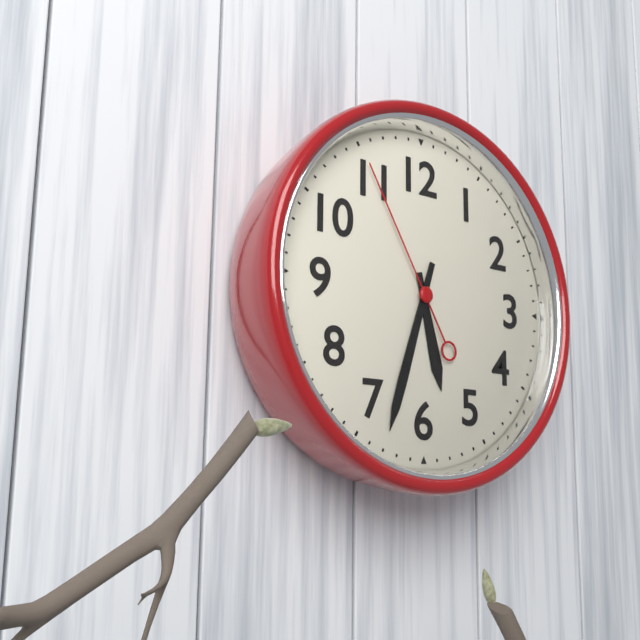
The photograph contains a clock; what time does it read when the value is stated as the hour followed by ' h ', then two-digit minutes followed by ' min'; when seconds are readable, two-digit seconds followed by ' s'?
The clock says 5 h 33 min 55 s
